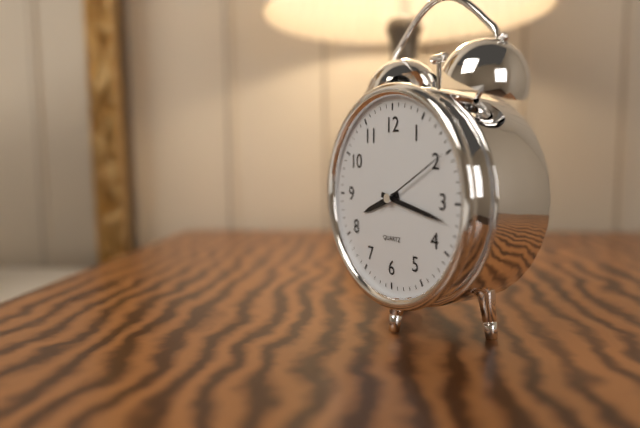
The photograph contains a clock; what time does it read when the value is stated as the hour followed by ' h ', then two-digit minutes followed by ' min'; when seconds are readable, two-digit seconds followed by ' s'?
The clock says 8 h 17 min 10 s
